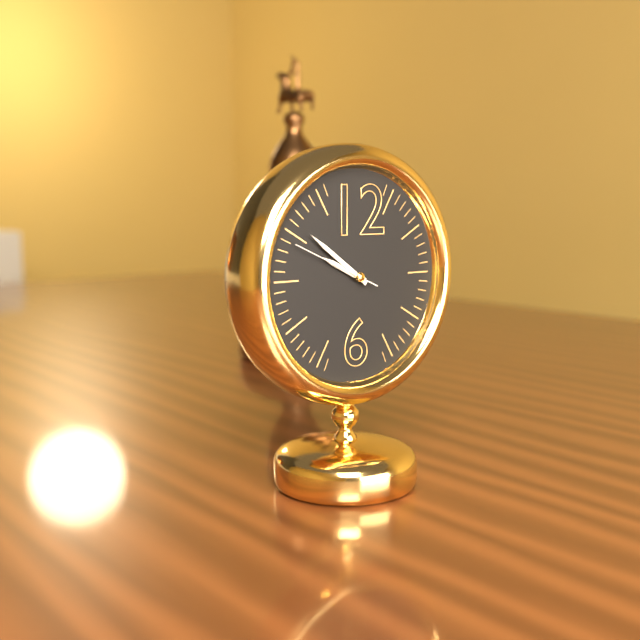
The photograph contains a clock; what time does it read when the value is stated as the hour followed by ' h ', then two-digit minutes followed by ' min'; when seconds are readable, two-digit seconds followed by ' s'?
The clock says 9 h 51 min 49 s
